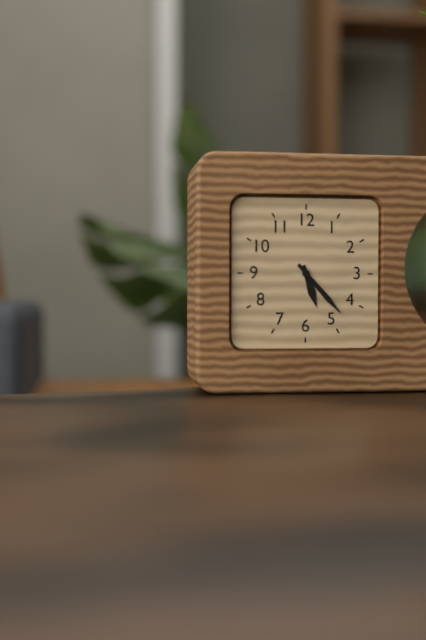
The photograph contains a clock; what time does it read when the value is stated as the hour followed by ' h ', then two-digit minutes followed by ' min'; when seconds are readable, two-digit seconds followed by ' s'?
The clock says 5 h 23 min
